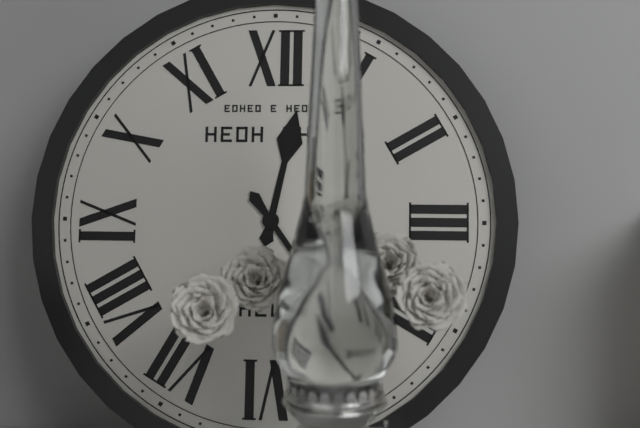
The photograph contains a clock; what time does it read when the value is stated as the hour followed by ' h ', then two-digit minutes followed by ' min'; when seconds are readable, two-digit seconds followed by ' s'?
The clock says 12 h 24 min
